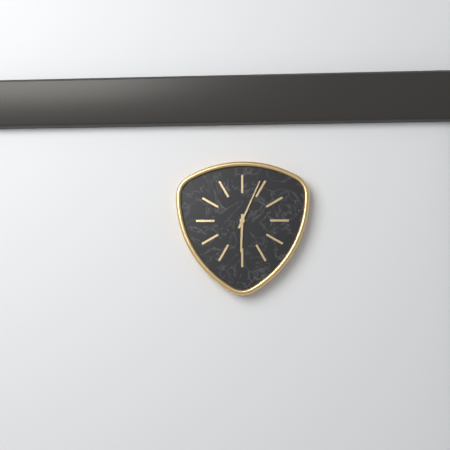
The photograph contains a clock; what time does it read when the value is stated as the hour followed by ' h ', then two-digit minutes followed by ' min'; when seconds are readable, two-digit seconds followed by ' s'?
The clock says 6 h 04 min
